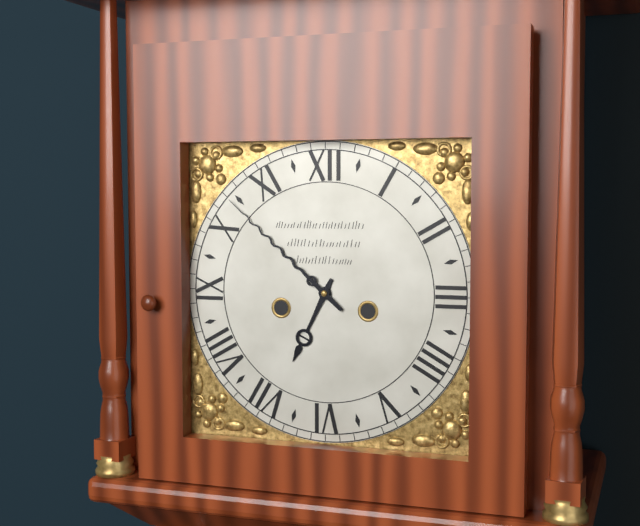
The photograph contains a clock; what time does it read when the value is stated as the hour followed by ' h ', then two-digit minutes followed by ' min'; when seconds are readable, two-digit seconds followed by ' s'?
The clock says 6 h 52 min
